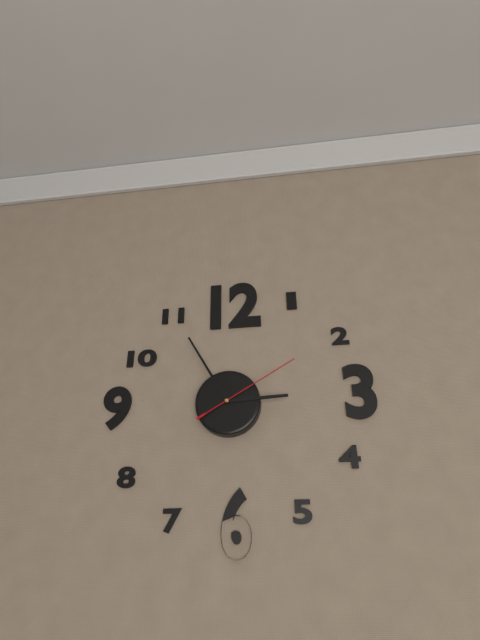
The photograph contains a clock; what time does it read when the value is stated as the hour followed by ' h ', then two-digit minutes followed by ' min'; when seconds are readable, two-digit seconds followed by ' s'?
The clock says 2 h 55 min 10 s
